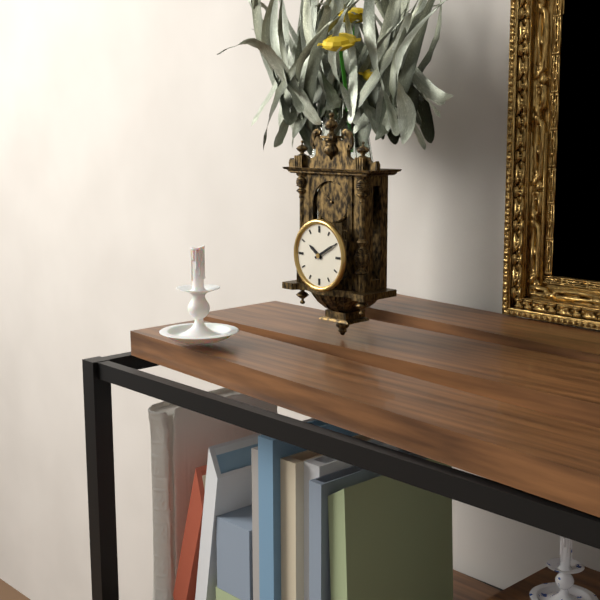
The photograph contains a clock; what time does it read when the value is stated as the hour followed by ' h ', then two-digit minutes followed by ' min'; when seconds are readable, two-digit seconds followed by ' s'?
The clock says 10 h 10 min
